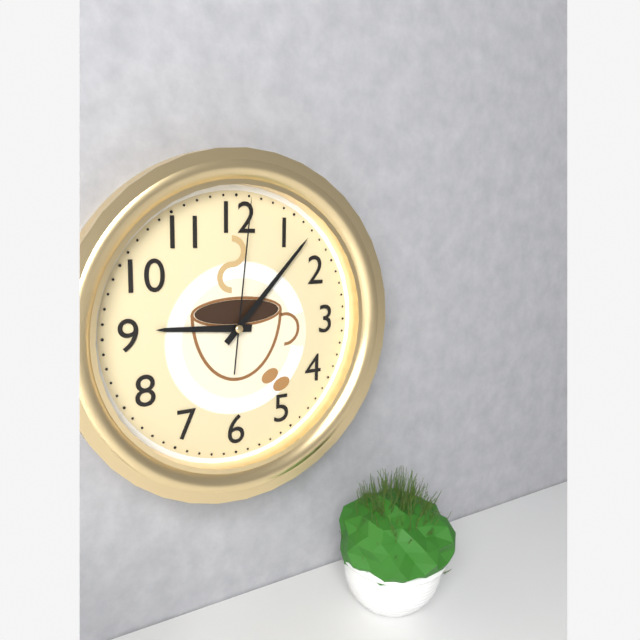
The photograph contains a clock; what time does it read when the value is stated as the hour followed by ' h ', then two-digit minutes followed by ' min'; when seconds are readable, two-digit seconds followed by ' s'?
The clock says 9 h 07 min 01 s
